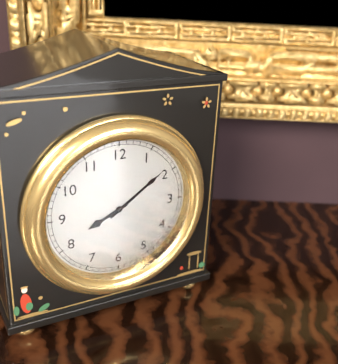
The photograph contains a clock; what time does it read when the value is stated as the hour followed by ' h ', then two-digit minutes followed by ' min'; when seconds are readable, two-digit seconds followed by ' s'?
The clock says 8 h 09 min
